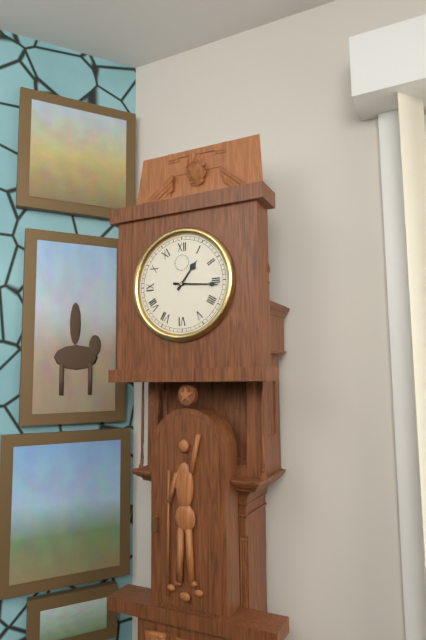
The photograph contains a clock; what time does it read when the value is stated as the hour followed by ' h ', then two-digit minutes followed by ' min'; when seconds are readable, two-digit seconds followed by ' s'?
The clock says 1 h 16 min
